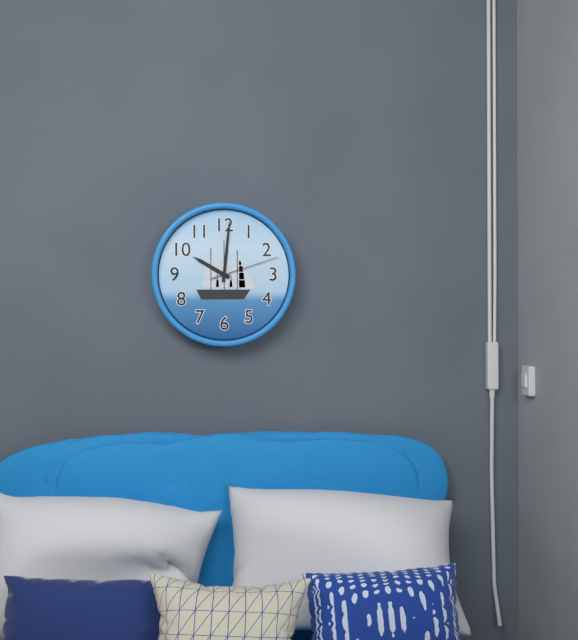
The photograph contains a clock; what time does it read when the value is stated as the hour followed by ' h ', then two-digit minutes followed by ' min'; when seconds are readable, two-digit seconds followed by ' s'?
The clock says 10 h 01 min 12 s
